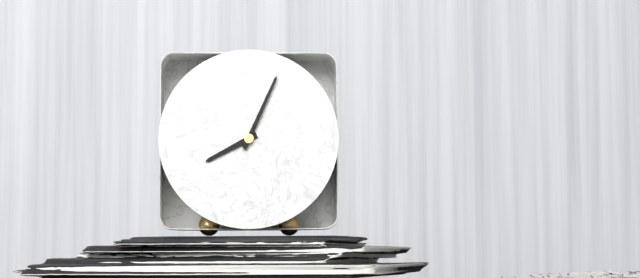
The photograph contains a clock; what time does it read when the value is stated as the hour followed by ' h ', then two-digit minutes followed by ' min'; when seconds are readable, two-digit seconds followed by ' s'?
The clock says 8 h 04 min
